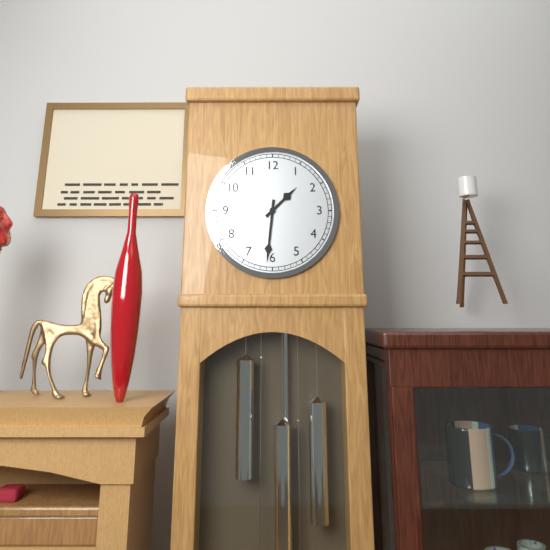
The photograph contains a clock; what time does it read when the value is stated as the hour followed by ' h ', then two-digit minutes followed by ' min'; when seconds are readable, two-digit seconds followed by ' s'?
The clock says 1 h 31 min
